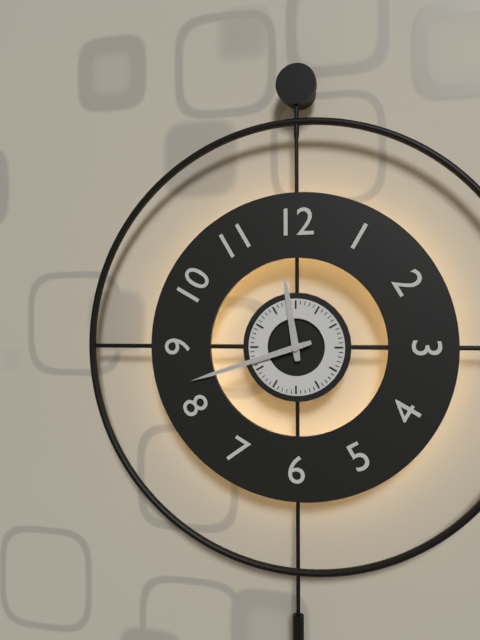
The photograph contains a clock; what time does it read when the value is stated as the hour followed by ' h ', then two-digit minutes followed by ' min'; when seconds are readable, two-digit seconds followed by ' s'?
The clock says 11 h 42 min
